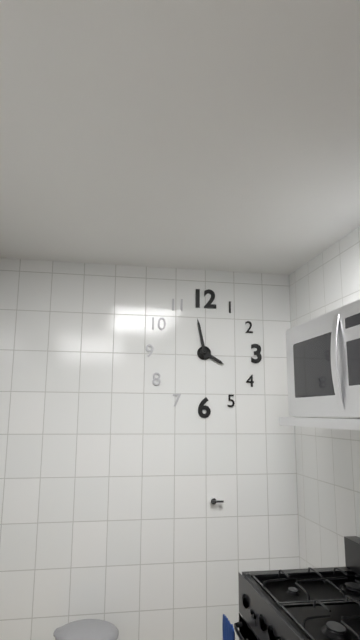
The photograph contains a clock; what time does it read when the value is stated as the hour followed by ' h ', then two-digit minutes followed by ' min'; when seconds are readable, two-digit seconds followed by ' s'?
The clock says 3 h 58 min
